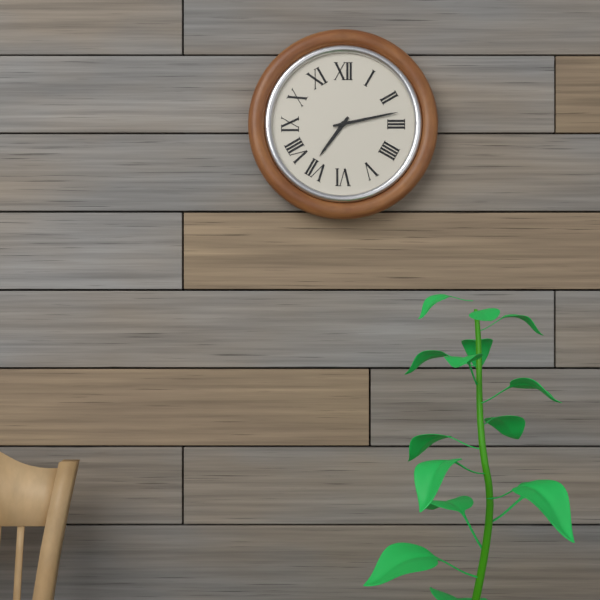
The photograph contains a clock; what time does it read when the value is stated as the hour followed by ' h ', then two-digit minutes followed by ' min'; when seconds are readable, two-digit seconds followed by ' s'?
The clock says 7 h 13 min
